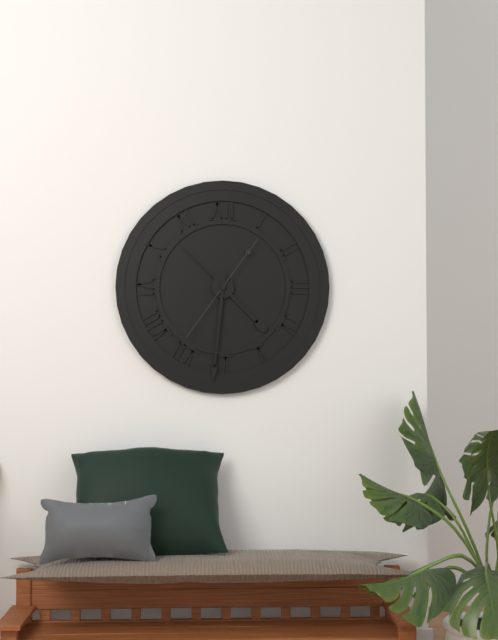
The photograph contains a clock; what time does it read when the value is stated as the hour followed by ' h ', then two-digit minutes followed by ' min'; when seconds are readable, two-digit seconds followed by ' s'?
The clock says 4 h 31 min 36 s
